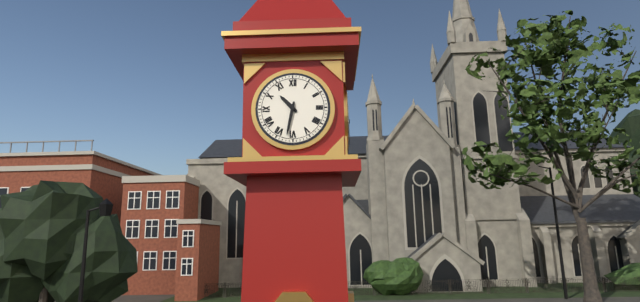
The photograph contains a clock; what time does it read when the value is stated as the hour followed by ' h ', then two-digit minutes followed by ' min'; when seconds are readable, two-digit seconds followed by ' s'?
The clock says 10 h 32 min
